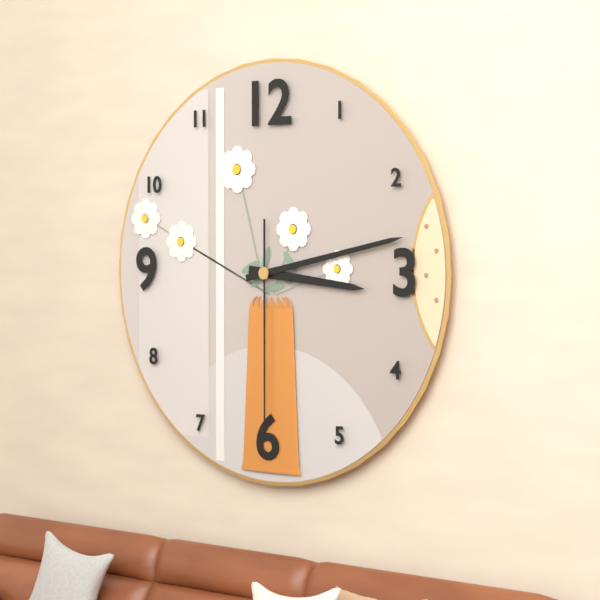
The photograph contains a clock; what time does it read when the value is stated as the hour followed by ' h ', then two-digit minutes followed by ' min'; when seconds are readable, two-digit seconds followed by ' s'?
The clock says 3 h 13 min 30 s
